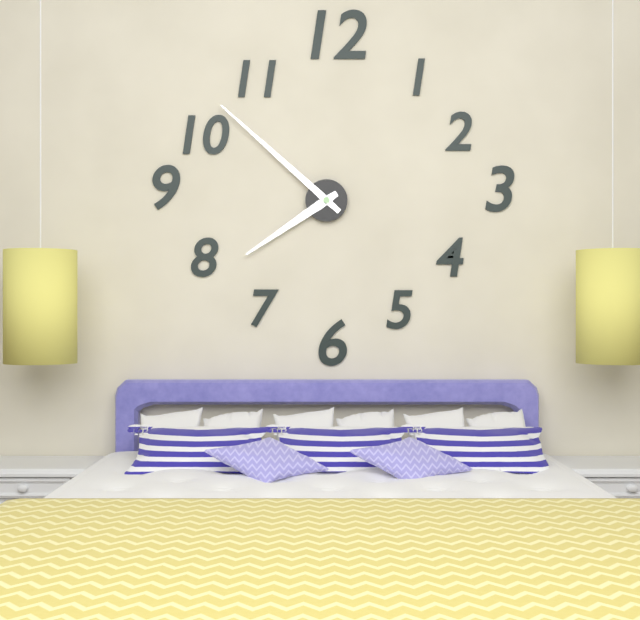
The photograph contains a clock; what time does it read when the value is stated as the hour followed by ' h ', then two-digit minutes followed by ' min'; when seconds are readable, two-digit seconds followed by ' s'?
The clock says 7 h 52 min
